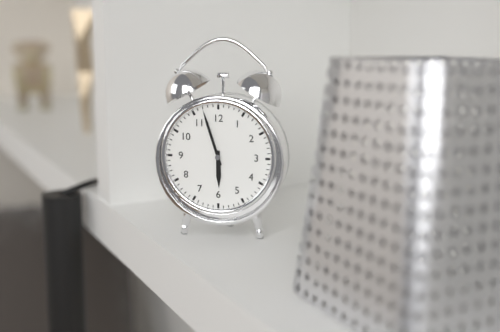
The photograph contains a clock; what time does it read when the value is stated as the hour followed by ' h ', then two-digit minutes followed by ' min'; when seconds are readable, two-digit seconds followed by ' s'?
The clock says 5 h 57 min
